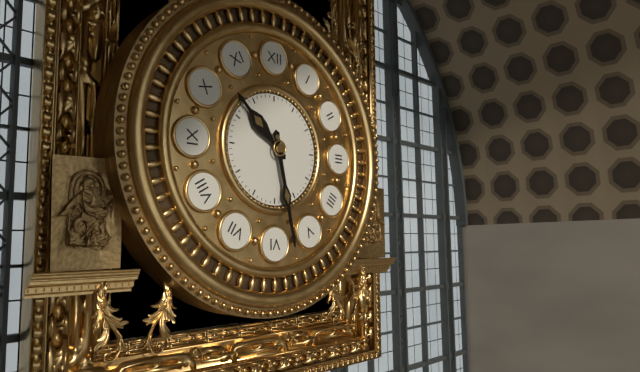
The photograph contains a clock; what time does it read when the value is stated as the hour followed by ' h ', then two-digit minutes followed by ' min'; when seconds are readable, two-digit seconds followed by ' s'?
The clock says 10 h 28 min
